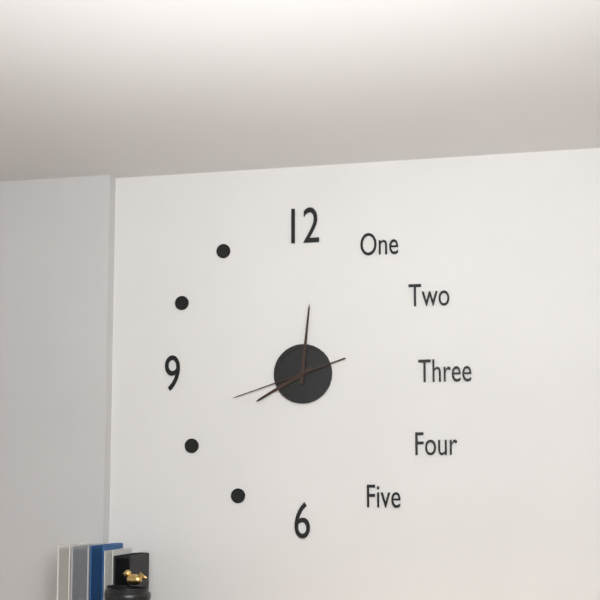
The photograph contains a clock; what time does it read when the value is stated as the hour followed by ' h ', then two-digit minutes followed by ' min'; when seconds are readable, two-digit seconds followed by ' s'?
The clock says 8 h 01 min 42 s
